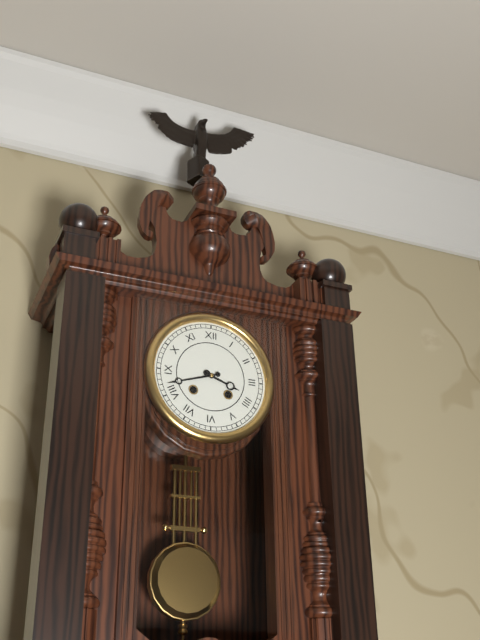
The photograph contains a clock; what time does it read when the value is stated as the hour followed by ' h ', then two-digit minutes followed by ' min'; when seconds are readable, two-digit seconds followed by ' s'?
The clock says 3 h 42 min
